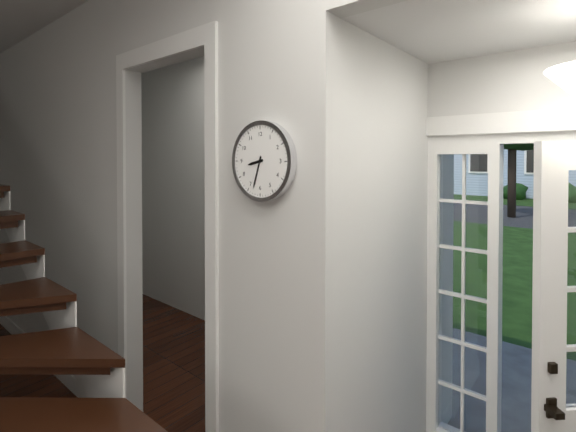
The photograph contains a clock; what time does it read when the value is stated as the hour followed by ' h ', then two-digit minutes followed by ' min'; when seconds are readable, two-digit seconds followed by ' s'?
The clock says 8 h 33 min
